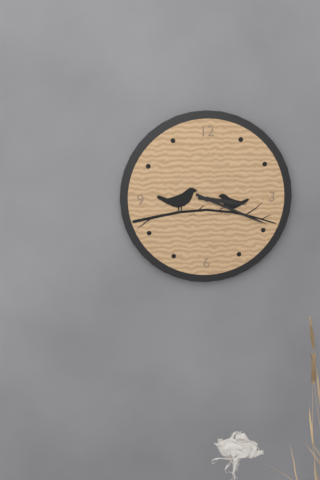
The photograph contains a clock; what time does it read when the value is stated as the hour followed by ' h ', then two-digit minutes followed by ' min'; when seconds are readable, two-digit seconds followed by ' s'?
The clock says 3 h 19 min
